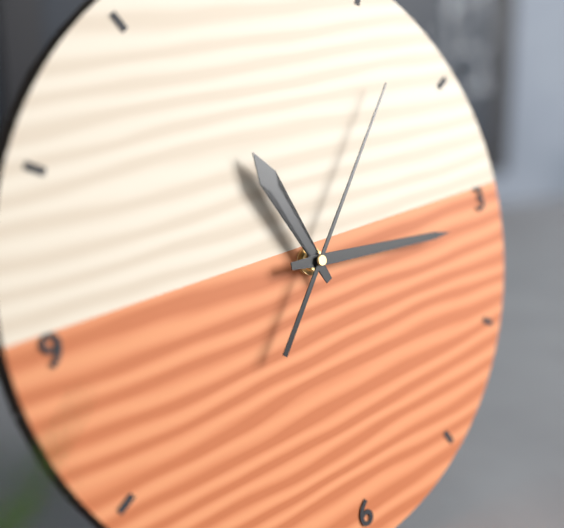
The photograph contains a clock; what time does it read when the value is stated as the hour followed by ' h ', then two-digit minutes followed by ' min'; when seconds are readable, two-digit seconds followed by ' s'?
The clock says 11 h 16 min 07 s
